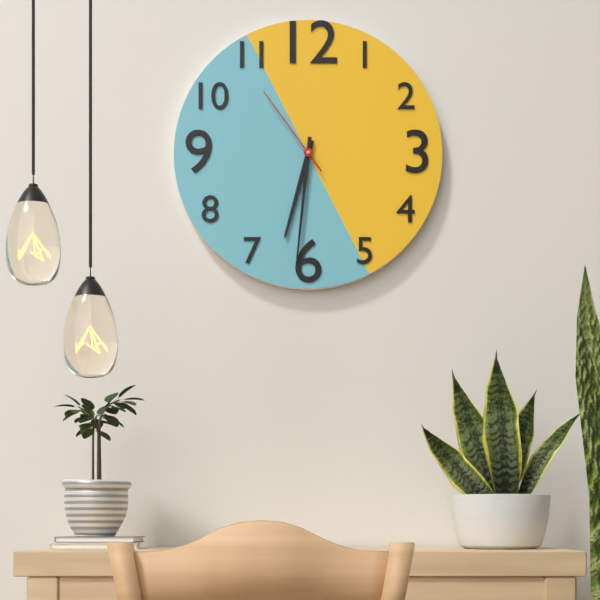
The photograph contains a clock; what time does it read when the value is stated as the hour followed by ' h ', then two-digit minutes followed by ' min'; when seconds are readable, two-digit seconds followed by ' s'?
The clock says 6 h 31 min 54 s
